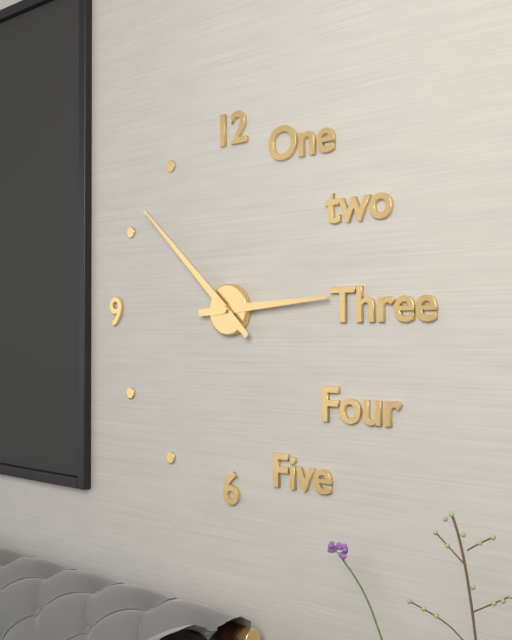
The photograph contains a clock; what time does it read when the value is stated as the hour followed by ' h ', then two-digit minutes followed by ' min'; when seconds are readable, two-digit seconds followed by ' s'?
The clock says 2 h 52 min
